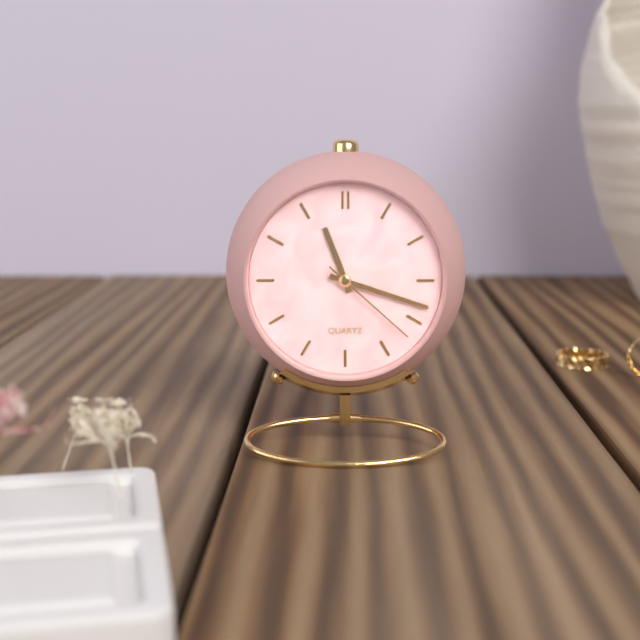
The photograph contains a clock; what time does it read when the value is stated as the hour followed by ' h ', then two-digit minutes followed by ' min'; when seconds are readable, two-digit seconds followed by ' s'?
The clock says 11 h 18 min 22 s
